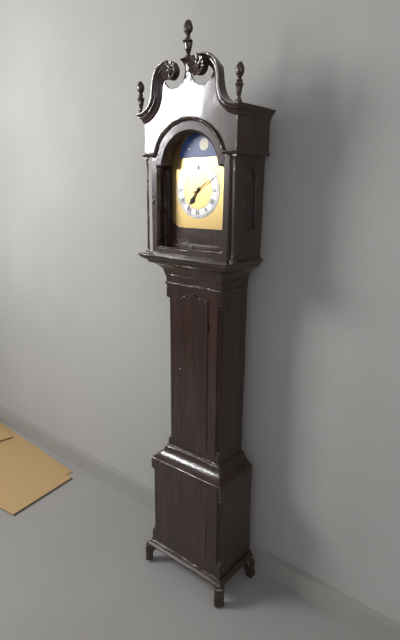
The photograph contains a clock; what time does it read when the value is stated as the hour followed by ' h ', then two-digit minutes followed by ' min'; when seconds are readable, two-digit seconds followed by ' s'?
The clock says 7 h 10 min
